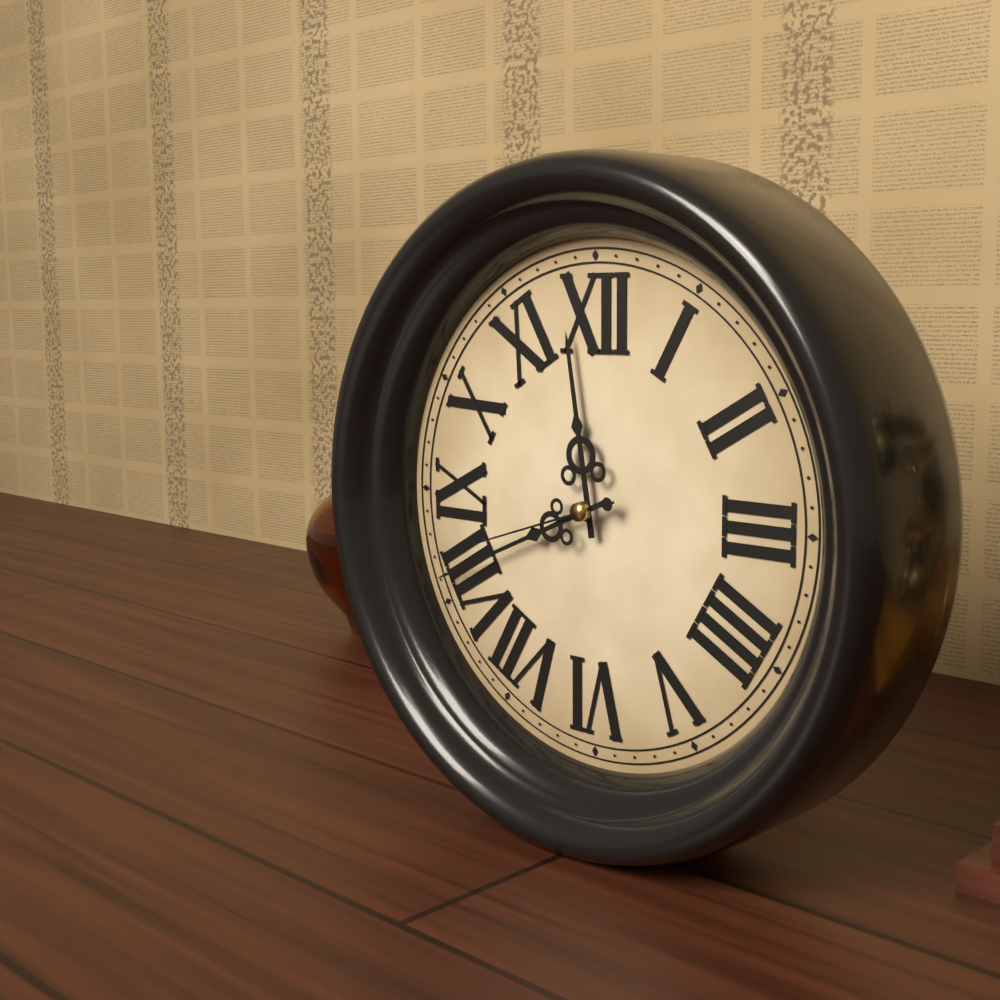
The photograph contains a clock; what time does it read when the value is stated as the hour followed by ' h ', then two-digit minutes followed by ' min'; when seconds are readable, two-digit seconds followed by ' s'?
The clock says 11 h 41 min 42 s
